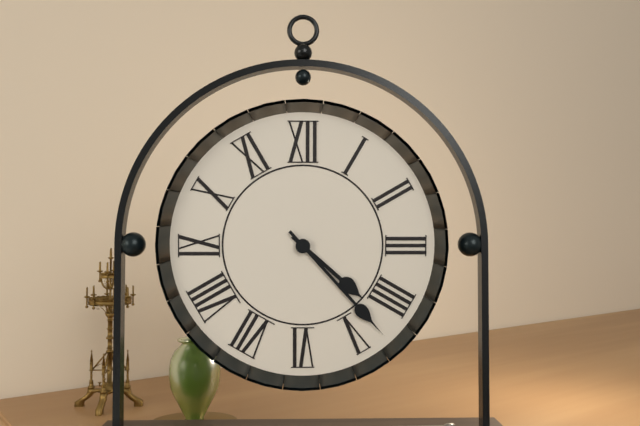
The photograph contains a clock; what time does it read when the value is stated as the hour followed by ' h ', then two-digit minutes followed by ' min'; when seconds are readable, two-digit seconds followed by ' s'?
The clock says 4 h 23 min
